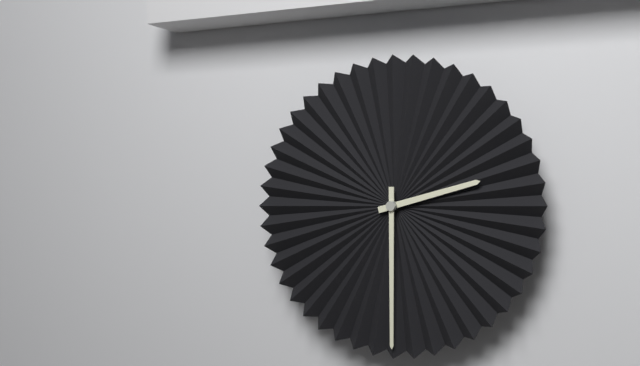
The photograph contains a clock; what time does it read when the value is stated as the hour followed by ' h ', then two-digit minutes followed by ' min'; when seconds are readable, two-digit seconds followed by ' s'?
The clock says 2 h 30 min
